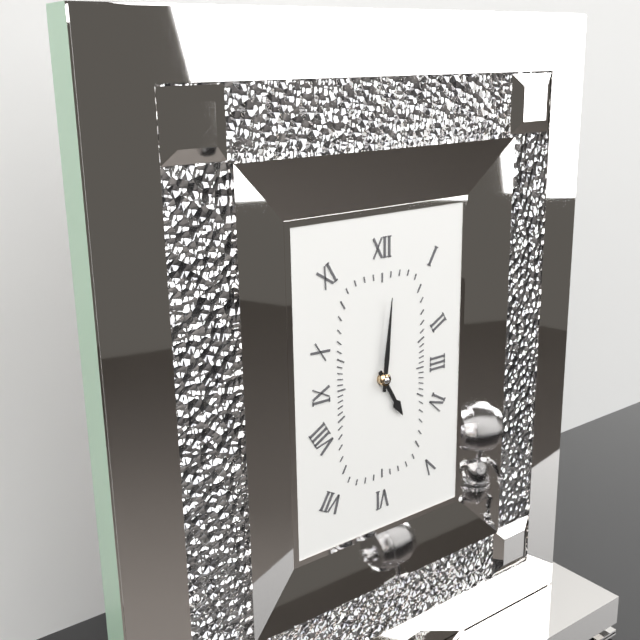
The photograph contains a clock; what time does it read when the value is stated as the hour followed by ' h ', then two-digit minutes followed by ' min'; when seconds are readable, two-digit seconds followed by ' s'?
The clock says 5 h 01 min
